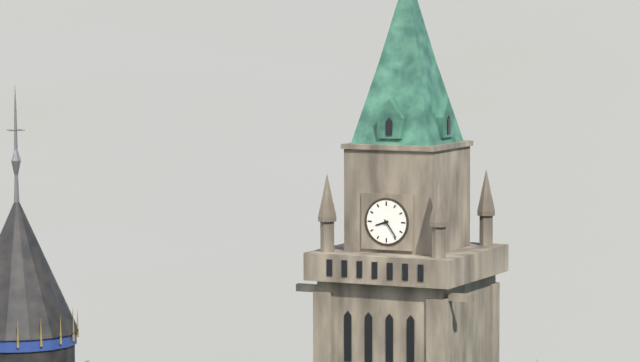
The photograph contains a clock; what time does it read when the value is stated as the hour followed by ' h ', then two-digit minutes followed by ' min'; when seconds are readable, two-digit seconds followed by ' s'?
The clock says 8 h 24 min
